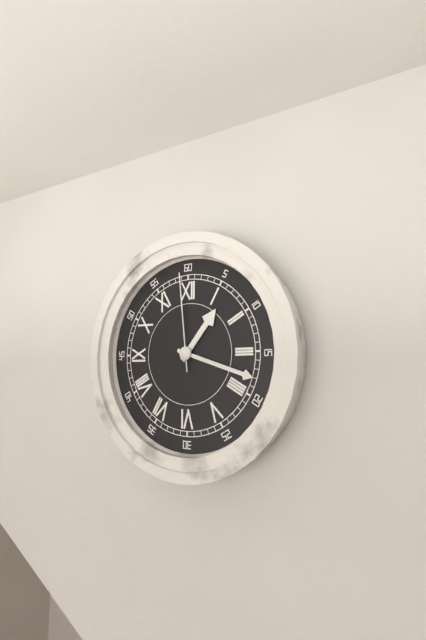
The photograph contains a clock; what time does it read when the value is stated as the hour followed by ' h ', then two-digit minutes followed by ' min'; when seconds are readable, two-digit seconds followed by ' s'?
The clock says 1 h 18 min 59 s
